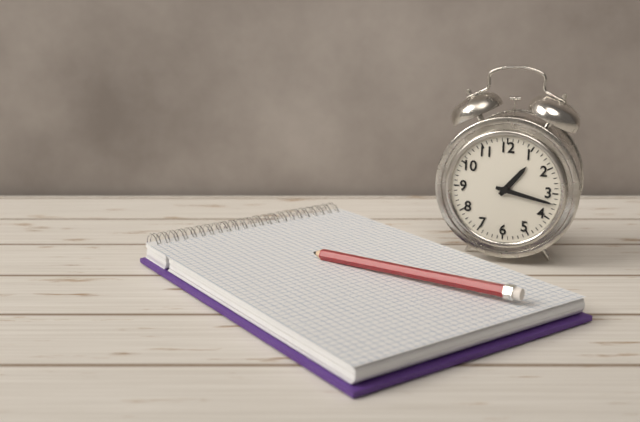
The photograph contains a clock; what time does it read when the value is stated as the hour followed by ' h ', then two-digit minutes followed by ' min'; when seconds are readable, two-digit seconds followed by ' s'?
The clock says 1 h 17 min
